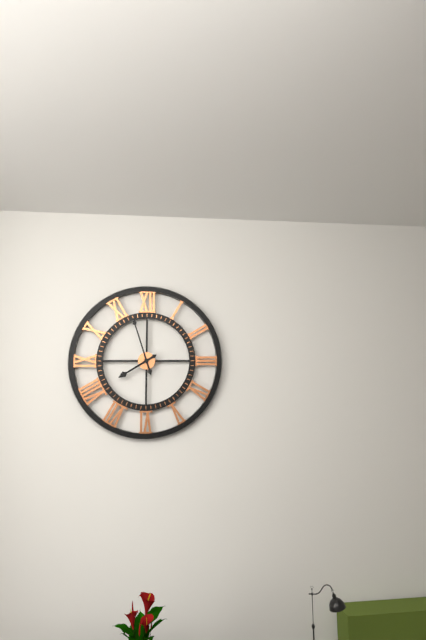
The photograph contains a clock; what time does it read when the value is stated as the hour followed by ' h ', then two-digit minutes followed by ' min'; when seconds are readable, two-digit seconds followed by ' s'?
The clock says 7 h 57 min
